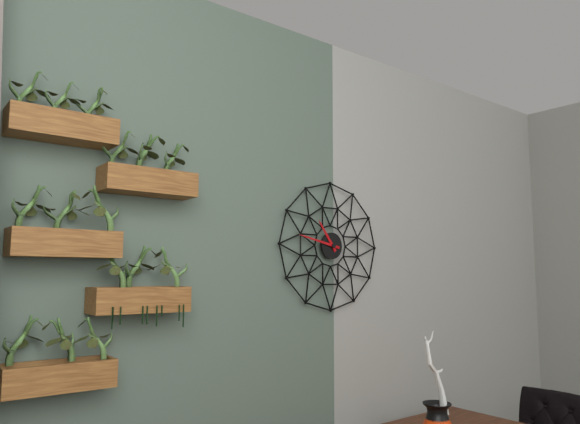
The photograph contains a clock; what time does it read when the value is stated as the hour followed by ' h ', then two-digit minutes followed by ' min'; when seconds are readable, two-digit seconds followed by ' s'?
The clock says 10 h 47 min
